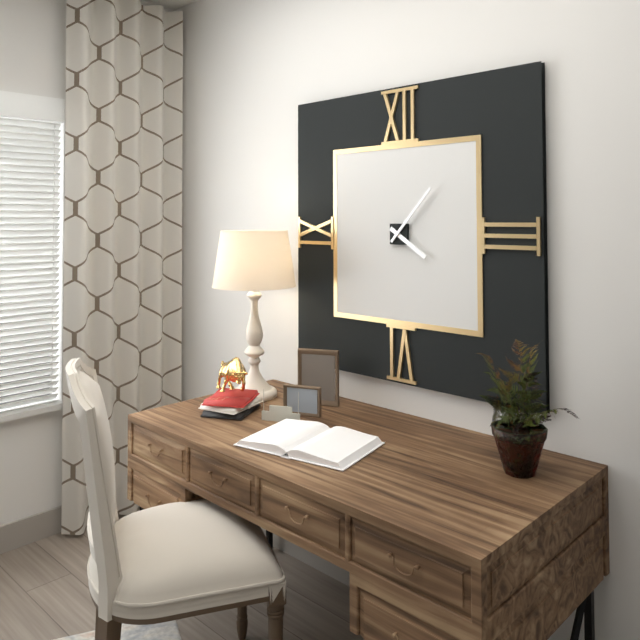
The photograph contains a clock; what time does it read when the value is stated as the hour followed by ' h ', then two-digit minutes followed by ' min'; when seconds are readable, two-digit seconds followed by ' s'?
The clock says 4 h 07 min
